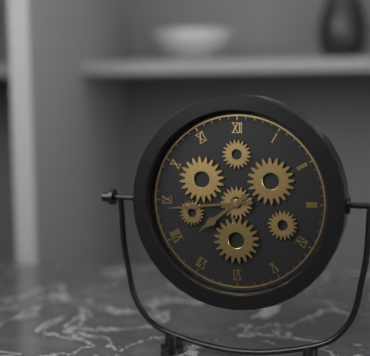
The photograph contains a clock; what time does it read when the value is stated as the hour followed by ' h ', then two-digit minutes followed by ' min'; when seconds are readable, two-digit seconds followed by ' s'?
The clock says 7 h 44 min
